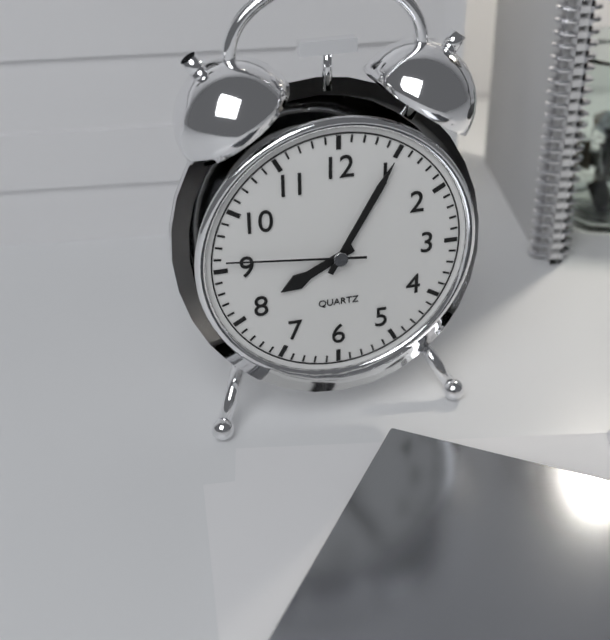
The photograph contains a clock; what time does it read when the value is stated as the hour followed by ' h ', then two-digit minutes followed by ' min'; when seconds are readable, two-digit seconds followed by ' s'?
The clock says 8 h 05 min 46 s
